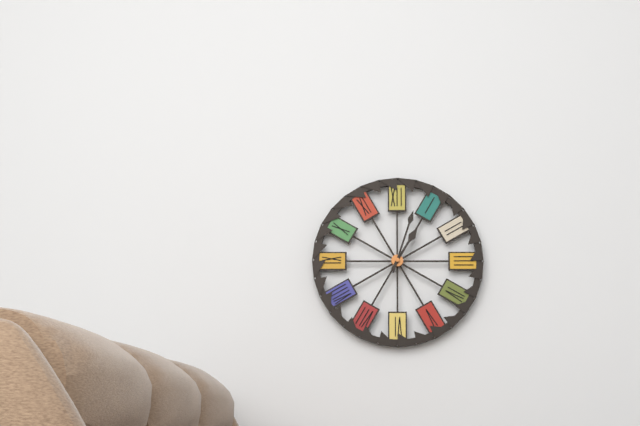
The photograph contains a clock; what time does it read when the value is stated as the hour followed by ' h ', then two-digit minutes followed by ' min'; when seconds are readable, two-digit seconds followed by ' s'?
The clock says 1 h 03 min
